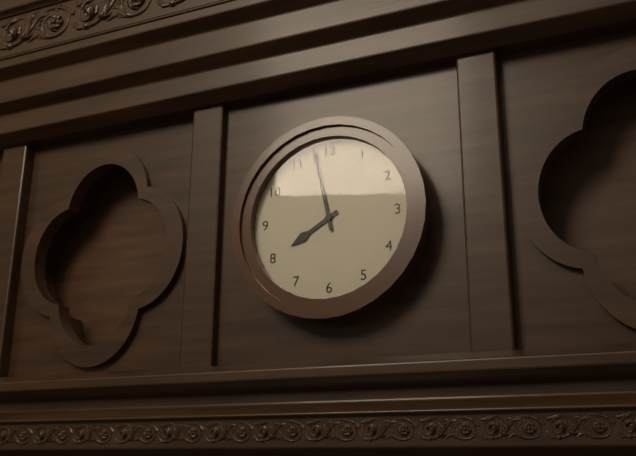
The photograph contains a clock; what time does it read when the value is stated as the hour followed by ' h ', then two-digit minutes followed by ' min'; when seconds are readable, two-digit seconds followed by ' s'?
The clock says 7 h 58 min
